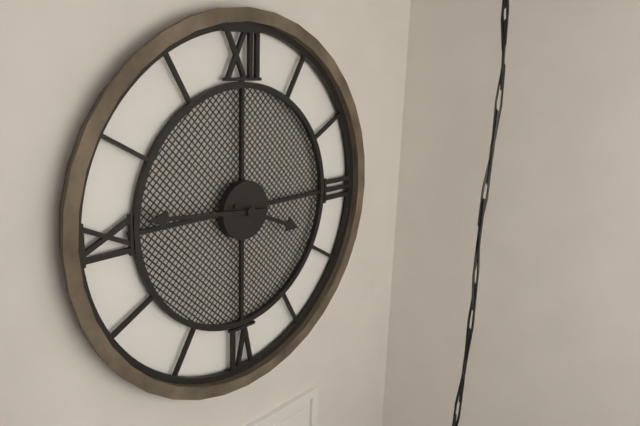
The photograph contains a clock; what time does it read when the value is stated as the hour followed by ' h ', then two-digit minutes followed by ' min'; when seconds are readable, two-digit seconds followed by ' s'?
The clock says 3 h 46 min
